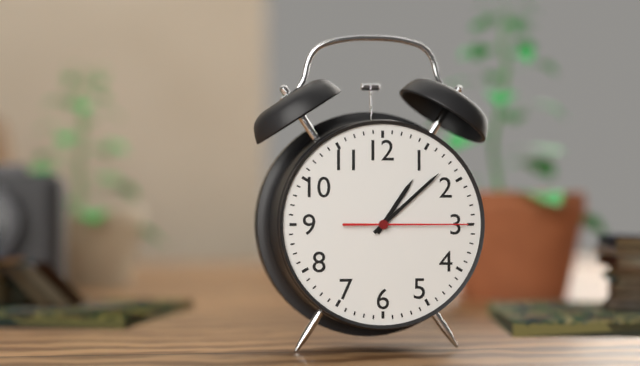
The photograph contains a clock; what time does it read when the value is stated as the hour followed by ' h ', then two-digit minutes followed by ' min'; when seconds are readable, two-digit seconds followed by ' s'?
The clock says 1 h 08 min 15 s
